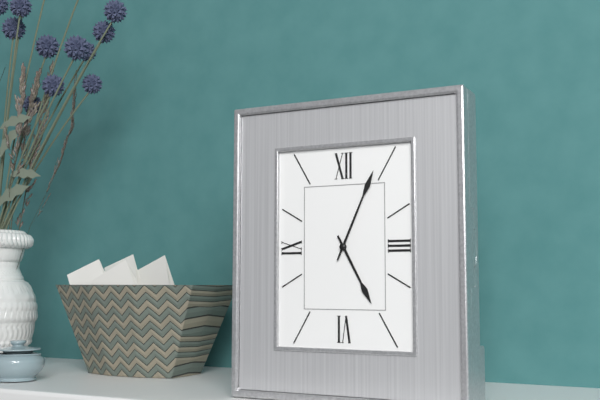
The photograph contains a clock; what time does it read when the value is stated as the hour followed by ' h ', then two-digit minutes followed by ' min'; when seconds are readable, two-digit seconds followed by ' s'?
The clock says 5 h 04 min
